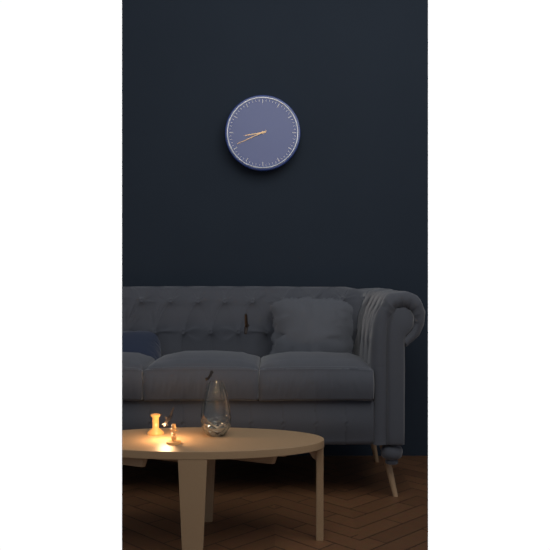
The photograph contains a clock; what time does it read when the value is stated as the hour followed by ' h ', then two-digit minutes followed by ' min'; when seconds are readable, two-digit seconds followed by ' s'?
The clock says 8 h 41 min
